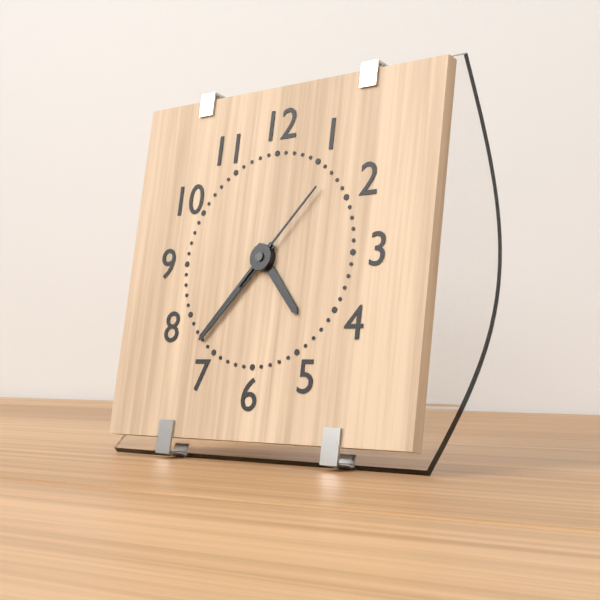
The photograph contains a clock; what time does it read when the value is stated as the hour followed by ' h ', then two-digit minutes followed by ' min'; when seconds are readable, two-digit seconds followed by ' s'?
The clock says 4 h 37 min 07 s
